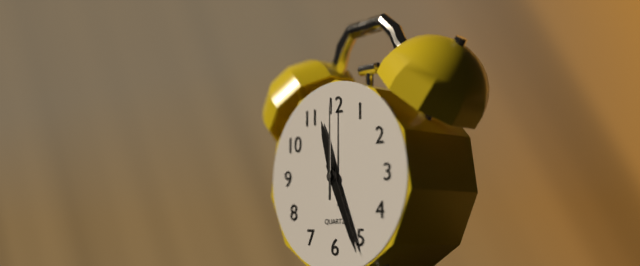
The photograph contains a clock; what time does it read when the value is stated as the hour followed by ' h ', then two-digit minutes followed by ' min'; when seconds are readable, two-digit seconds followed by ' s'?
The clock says 11 h 26 min 00 s
